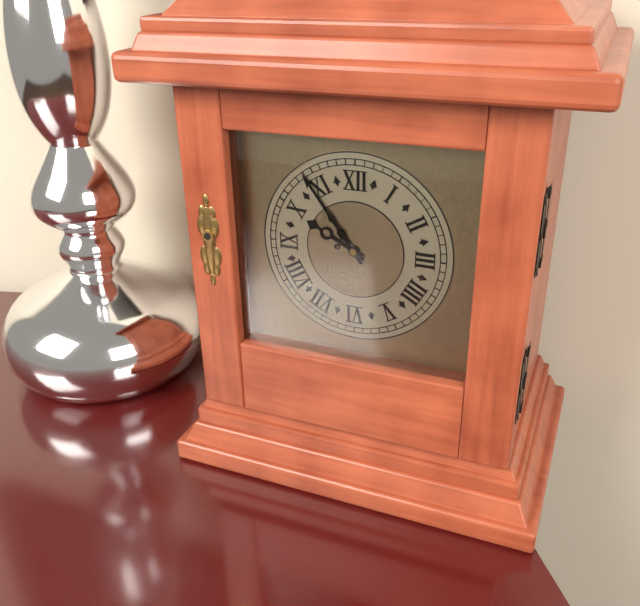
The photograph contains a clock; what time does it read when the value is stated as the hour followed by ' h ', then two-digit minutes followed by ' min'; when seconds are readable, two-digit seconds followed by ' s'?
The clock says 9 h 54 min
